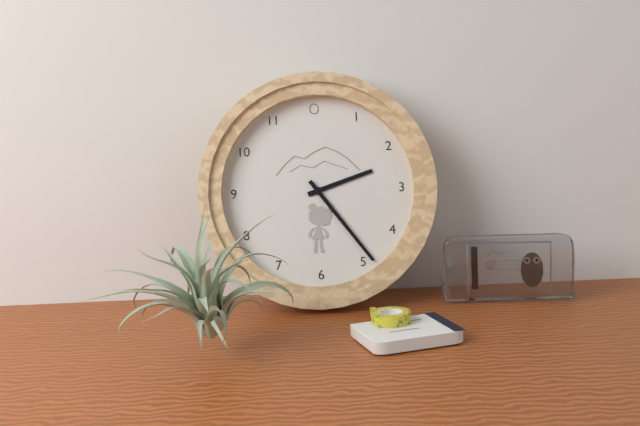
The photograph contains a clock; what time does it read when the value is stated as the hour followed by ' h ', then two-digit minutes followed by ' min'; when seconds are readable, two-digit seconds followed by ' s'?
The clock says 2 h 24 min
